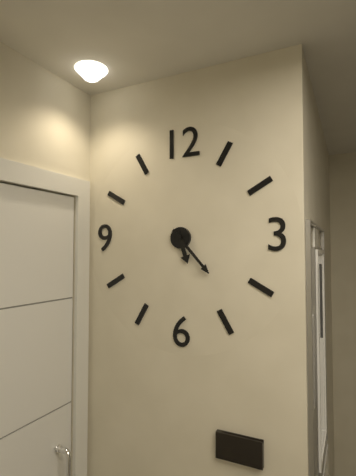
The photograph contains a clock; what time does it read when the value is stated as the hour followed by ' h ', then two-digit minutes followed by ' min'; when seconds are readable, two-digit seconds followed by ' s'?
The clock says 5 h 23 min
